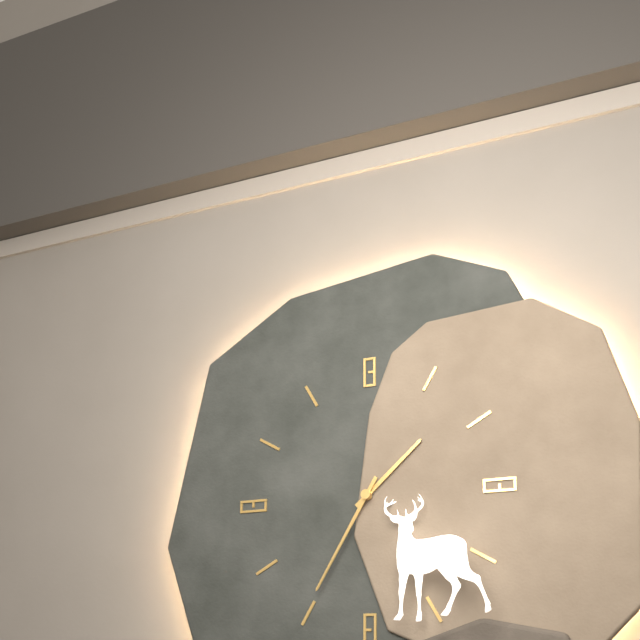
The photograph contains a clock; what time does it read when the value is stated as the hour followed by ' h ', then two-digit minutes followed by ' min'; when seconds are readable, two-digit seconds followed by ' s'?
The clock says 1 h 35 min
